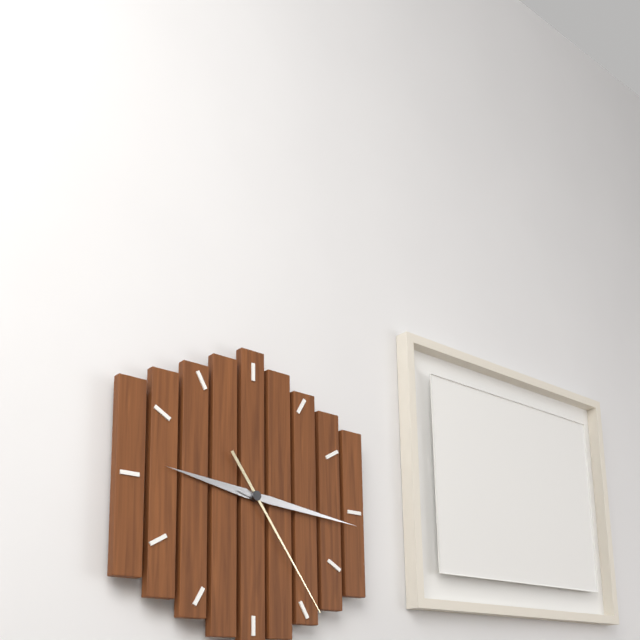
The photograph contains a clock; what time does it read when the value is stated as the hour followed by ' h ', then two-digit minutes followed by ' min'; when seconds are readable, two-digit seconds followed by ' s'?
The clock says 9 h 16 min 24 s
